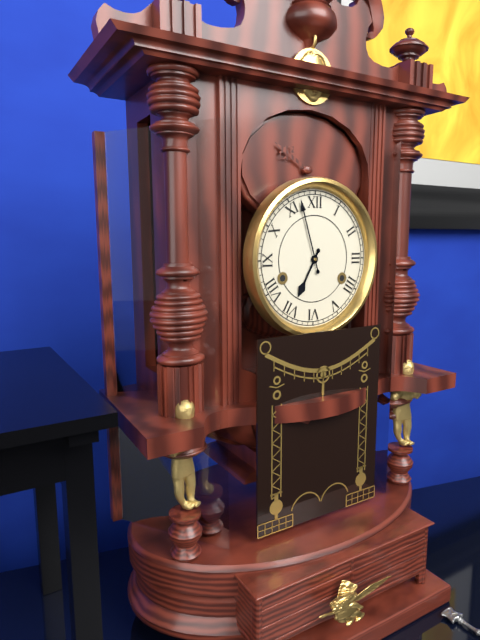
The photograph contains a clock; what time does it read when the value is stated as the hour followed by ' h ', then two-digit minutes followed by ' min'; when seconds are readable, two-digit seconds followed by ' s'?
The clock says 6 h 57 min
